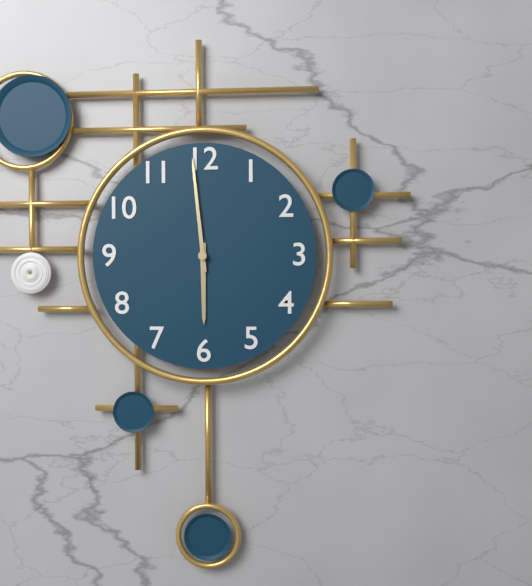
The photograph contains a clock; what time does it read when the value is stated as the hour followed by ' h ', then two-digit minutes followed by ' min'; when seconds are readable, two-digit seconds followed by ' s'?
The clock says 5 h 59 min
